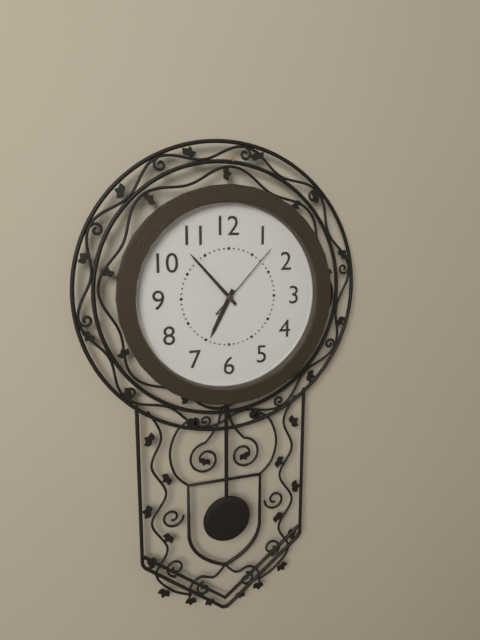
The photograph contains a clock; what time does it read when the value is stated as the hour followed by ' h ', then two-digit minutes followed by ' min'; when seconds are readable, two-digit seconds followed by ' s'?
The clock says 6 h 53 min 07 s
